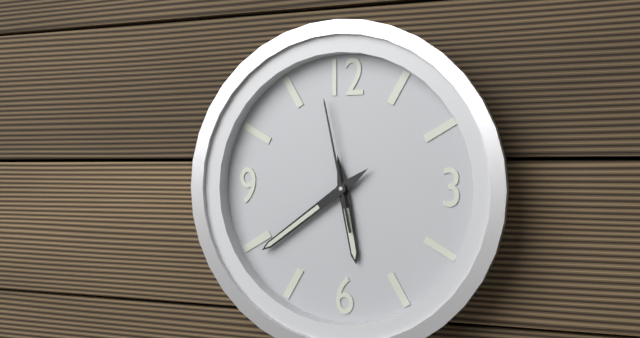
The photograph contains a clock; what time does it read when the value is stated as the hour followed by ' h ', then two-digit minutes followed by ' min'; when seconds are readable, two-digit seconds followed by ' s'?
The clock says 5 h 39 min 58 s
